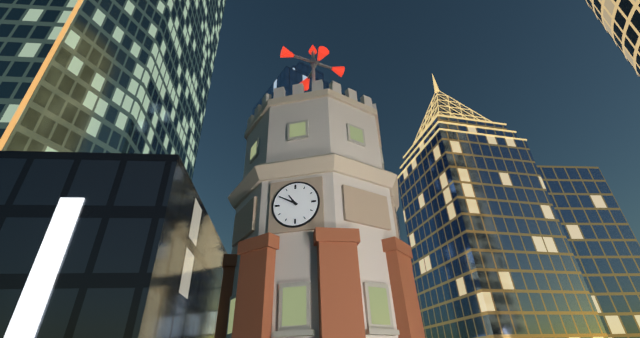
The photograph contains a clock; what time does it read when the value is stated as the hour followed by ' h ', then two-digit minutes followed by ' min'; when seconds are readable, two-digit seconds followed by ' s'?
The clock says 10 h 50 min
